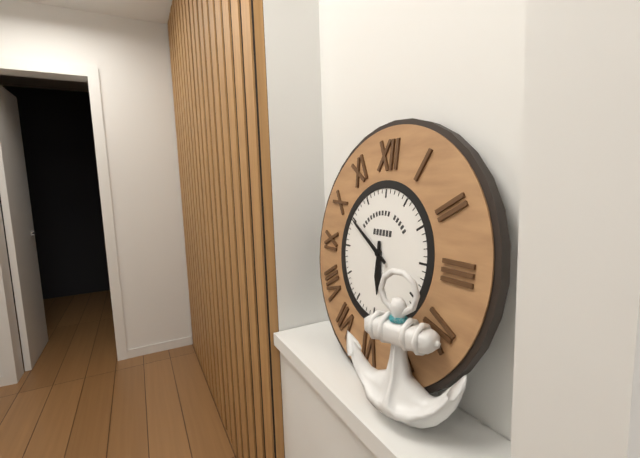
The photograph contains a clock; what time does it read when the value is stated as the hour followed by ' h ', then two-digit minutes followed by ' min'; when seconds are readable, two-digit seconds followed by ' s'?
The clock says 5 h 50 min
